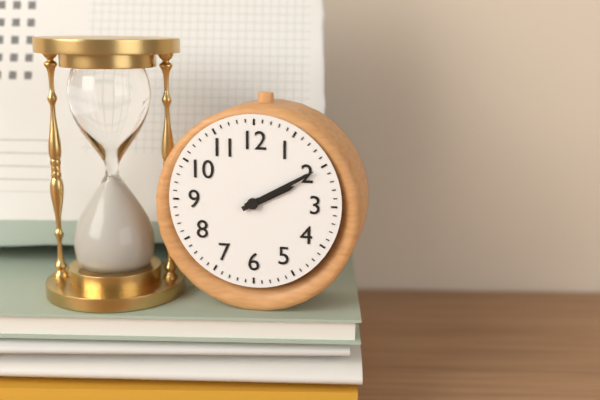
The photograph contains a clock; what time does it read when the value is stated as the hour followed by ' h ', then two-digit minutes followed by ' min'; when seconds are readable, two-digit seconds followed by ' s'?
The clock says 2 h 10 min
